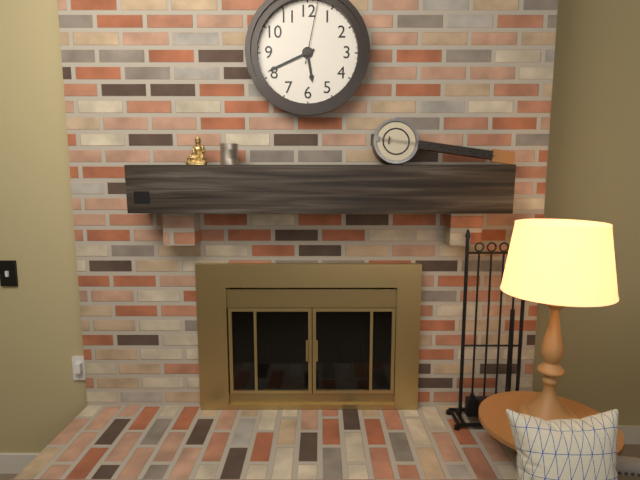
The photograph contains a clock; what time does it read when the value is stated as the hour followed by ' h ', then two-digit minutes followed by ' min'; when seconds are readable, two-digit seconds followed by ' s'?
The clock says 5 h 41 min 02 s
